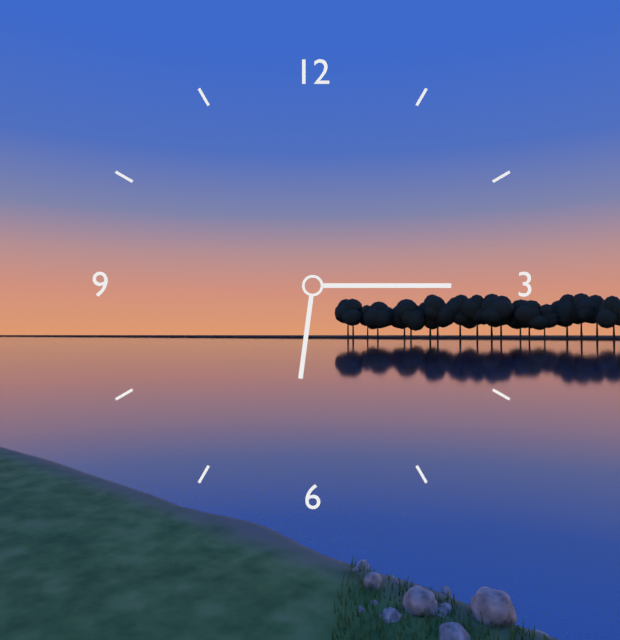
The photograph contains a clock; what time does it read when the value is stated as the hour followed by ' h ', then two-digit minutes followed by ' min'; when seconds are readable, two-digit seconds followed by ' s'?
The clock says 6 h 15 min
